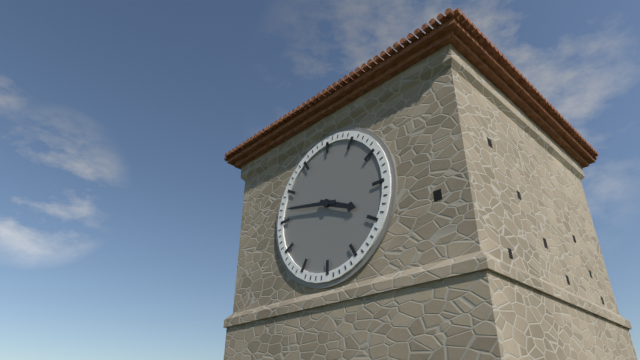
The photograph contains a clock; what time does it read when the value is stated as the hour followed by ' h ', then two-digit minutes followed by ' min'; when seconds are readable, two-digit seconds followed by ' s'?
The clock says 3 h 47 min
